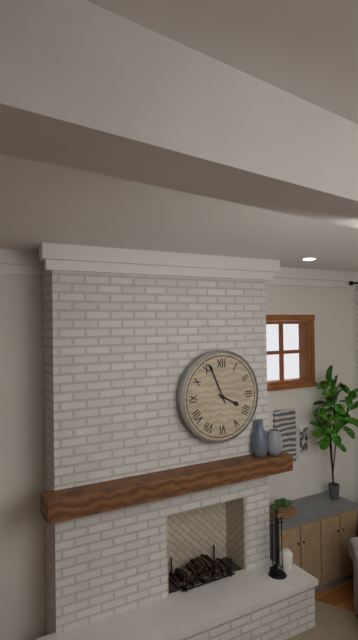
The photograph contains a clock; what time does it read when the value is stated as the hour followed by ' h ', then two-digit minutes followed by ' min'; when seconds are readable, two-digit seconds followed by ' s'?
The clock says 3 h 56 min
